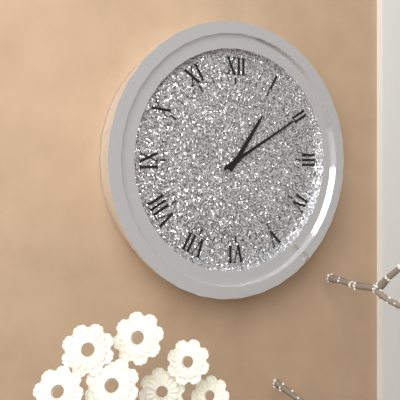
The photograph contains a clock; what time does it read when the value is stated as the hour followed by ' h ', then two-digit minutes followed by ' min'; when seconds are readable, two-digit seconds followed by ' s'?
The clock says 1 h 10 min
